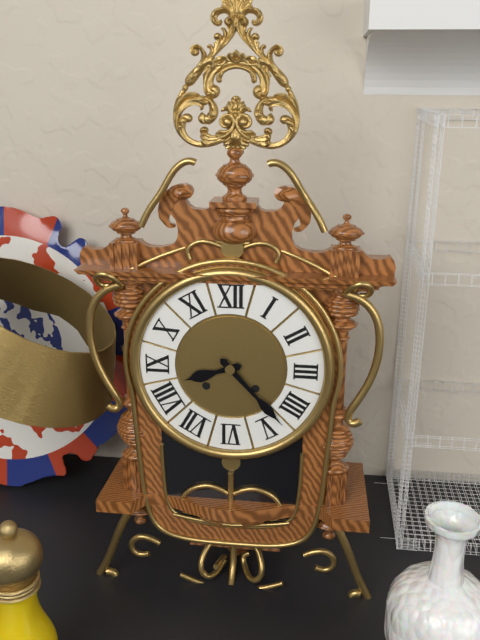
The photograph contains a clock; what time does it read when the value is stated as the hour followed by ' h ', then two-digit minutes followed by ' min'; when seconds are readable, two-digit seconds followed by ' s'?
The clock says 8 h 23 min
